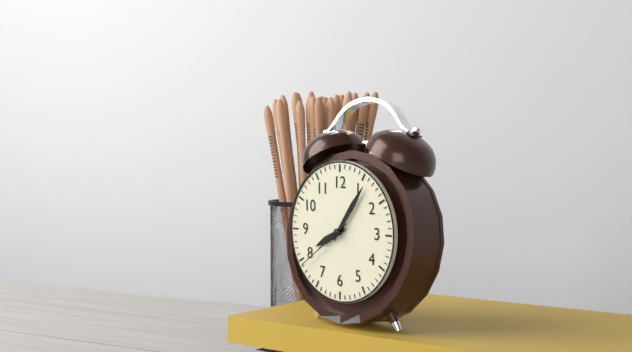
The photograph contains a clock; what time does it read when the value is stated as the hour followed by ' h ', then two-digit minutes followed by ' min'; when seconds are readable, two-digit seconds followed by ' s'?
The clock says 8 h 06 min 39 s
